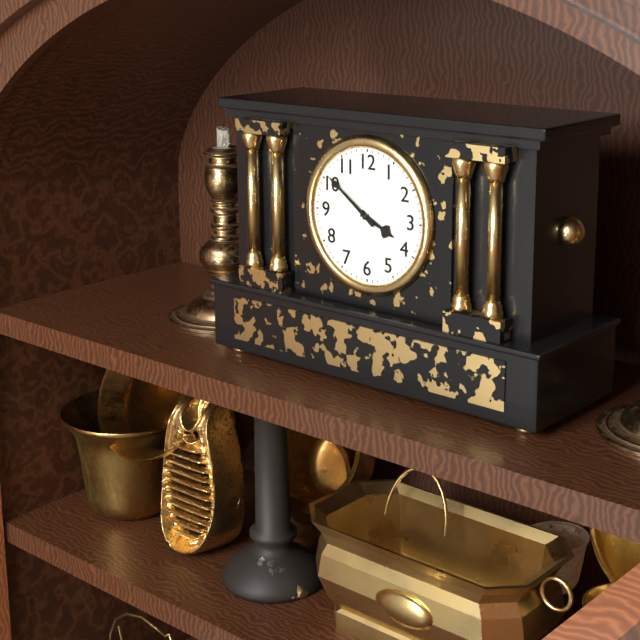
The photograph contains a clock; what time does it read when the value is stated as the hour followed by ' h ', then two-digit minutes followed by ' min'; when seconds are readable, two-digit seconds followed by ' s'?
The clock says 3 h 51 min
